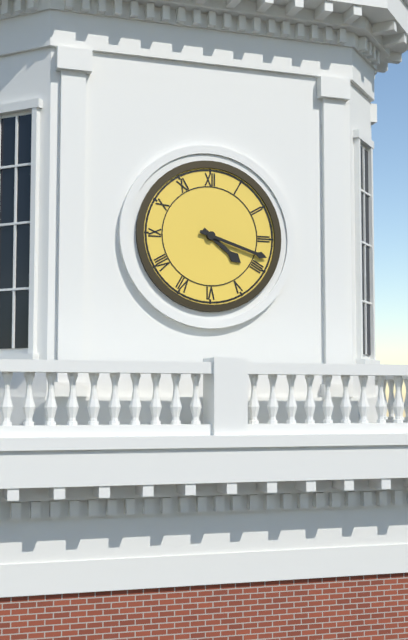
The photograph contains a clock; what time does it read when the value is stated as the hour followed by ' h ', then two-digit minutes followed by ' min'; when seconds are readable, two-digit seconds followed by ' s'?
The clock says 4 h 18 min
